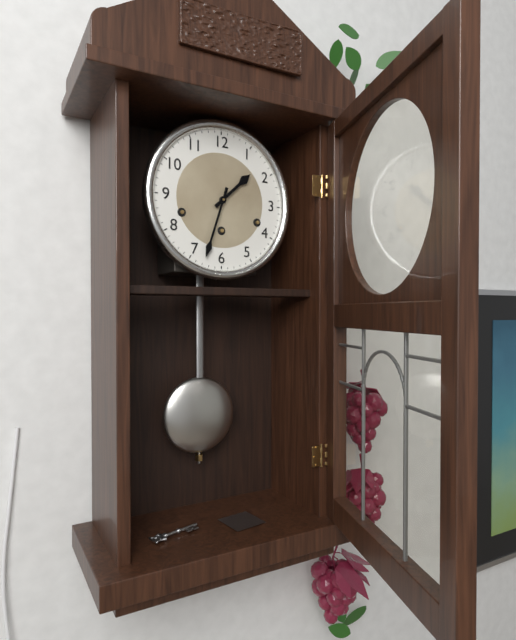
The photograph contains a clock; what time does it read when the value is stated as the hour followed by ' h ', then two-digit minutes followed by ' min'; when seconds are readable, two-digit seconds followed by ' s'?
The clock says 1 h 33 min
